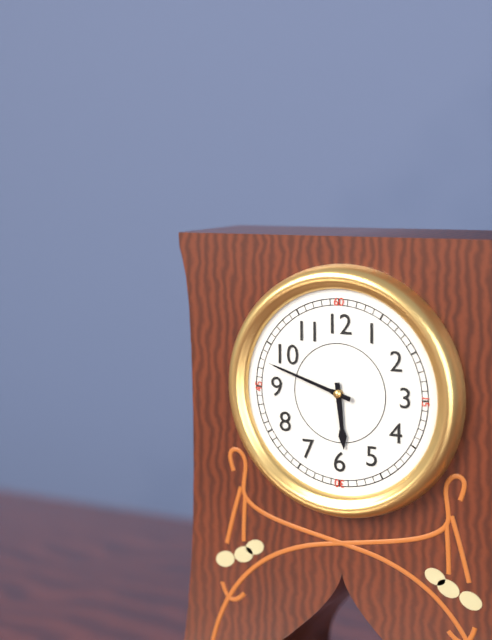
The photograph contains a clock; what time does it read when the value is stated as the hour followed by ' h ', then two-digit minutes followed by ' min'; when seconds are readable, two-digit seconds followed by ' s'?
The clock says 5 h 48 min
